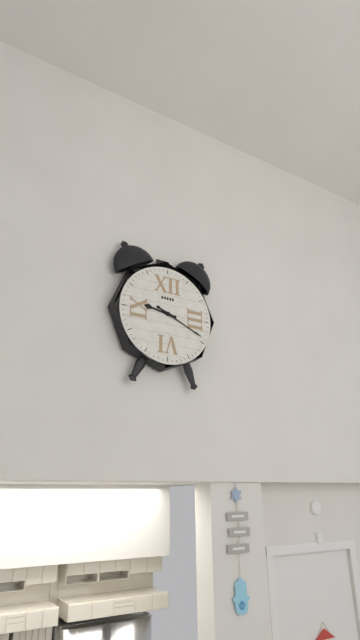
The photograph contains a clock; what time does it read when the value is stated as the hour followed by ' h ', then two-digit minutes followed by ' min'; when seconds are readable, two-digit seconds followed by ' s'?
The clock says 9 h 19 min
